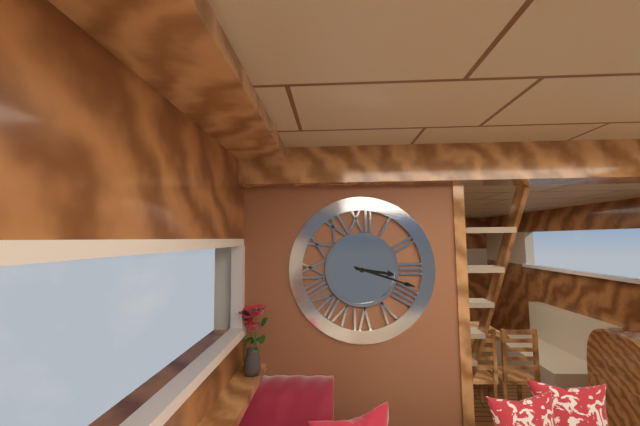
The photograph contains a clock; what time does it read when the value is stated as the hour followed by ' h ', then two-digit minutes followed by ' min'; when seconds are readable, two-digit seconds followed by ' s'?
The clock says 3 h 18 min
